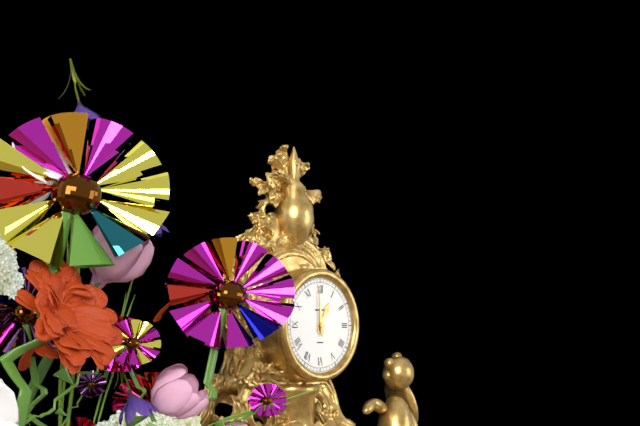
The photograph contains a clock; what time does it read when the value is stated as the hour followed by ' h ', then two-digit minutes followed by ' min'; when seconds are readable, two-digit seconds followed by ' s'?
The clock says 12 h 59 min
